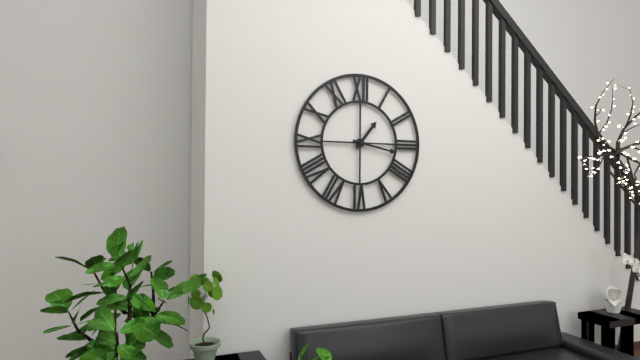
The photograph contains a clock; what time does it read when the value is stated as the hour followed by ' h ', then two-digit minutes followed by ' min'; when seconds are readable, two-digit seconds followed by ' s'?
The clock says 1 h 17 min
